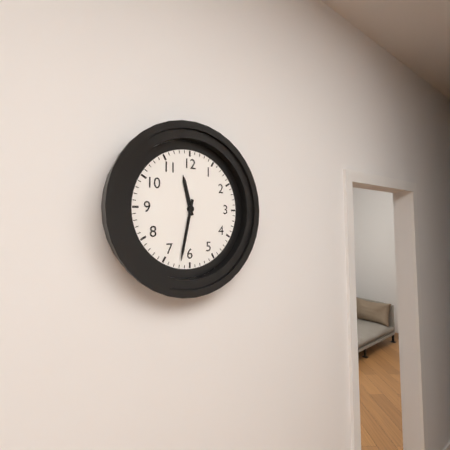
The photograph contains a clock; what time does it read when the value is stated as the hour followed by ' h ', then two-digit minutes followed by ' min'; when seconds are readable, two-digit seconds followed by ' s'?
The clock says 11 h 32 min
